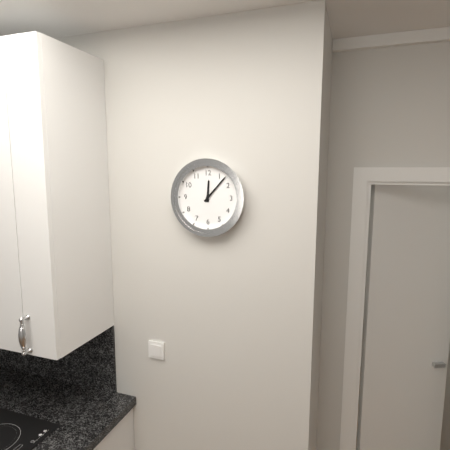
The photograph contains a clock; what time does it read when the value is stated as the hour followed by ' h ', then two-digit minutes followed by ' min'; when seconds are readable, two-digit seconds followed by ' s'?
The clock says 12 h 07 min
